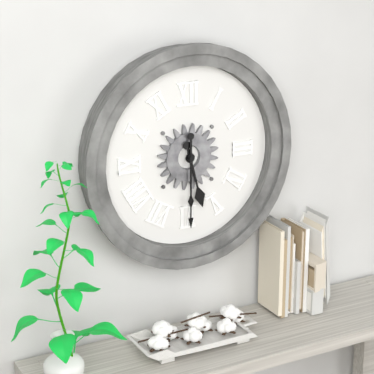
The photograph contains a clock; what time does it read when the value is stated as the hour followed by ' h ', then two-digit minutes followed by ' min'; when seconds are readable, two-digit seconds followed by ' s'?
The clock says 5 h 30 min
